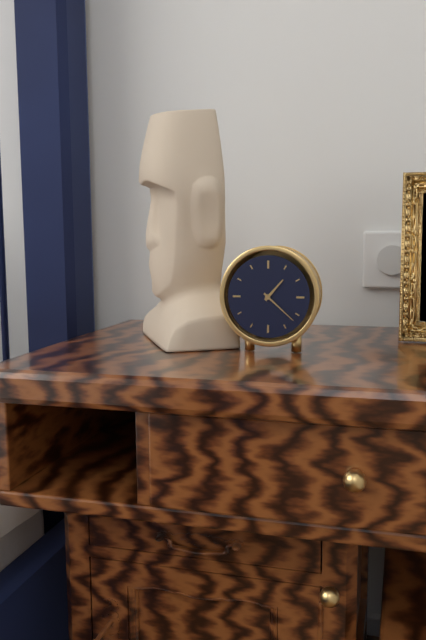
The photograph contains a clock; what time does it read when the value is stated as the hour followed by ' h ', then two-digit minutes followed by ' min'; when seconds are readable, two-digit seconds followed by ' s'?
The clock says 1 h 22 min
